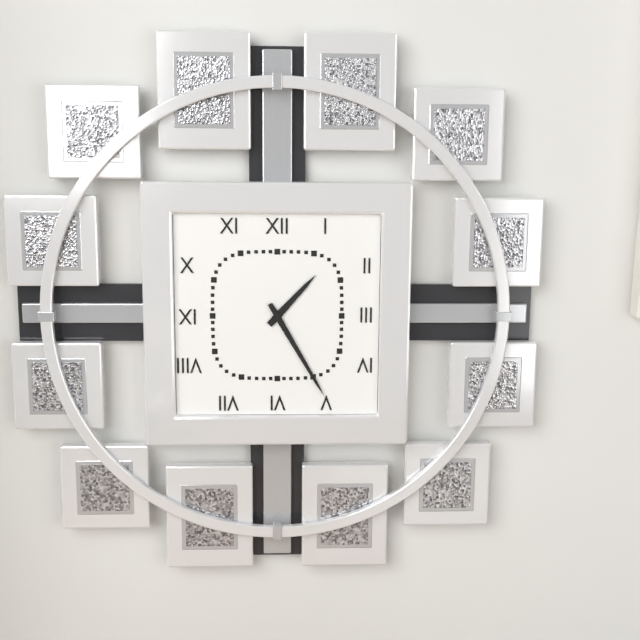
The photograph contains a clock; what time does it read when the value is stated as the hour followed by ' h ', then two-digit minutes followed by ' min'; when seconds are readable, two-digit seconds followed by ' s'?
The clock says 1 h 25 min
